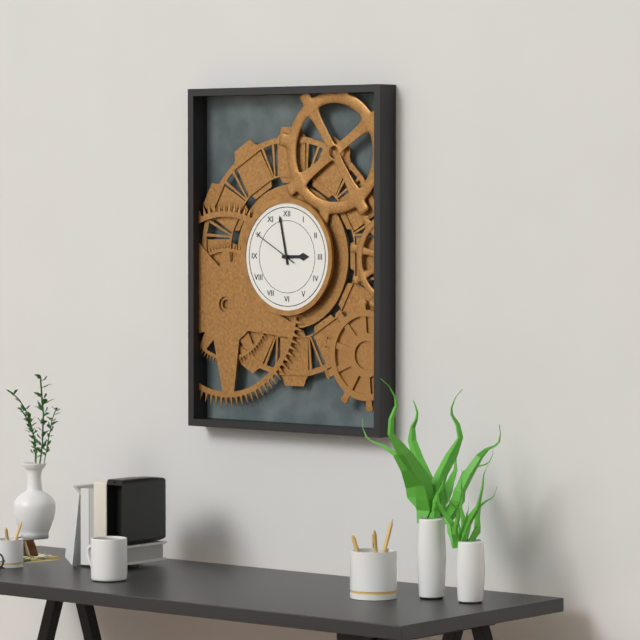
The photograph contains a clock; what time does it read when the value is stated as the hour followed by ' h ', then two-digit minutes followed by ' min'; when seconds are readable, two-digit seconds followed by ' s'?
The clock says 2 h 58 min
